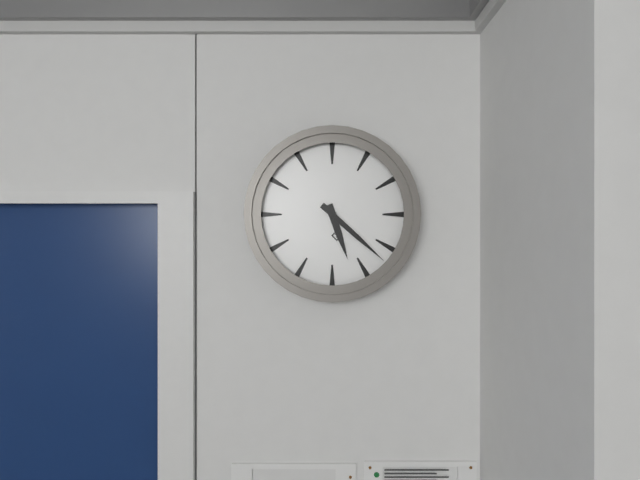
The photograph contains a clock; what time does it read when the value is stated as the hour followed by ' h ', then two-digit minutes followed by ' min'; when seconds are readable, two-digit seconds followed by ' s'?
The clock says 5 h 22 min
